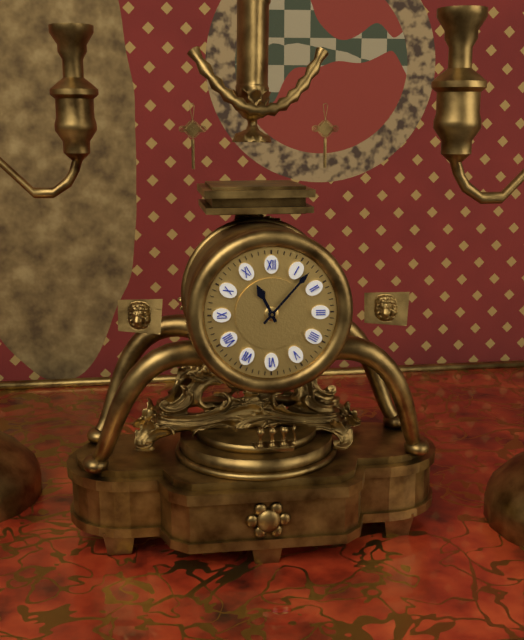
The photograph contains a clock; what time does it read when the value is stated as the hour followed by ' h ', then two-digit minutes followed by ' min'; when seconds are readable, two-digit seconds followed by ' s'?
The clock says 11 h 07 min
